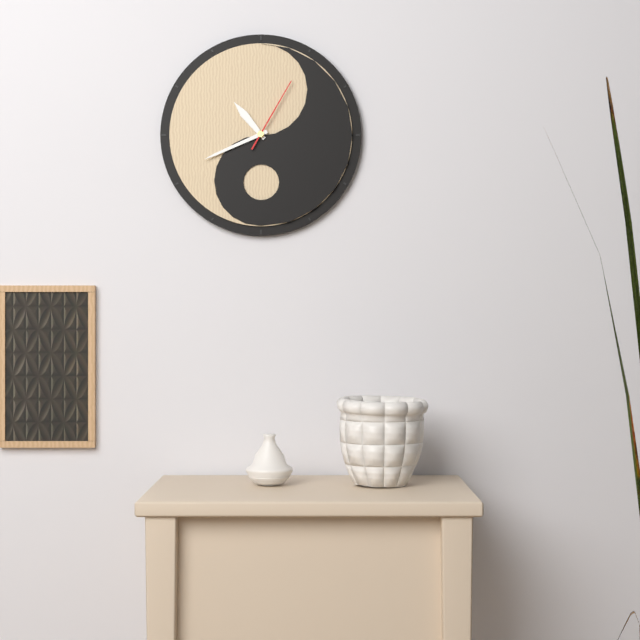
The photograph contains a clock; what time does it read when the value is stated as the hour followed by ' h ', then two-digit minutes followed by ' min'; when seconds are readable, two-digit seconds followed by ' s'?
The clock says 10 h 41 min 05 s
